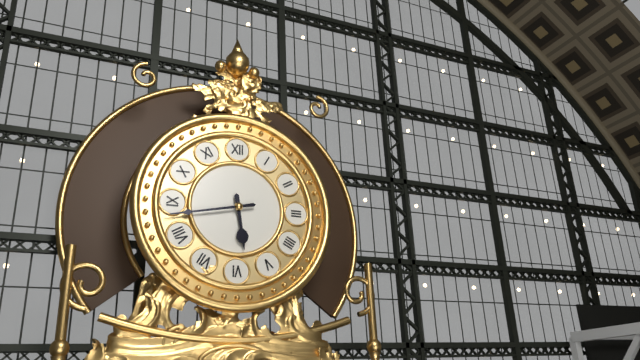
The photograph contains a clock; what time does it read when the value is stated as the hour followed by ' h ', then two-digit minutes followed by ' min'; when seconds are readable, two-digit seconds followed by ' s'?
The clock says 5 h 43 min
